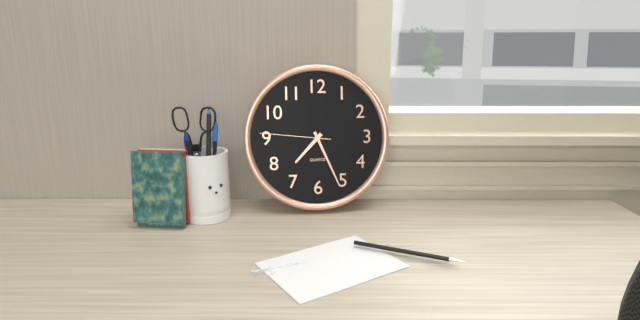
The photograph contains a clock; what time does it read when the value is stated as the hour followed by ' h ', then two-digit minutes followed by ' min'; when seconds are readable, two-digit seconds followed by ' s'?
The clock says 7 h 26 min 46 s
